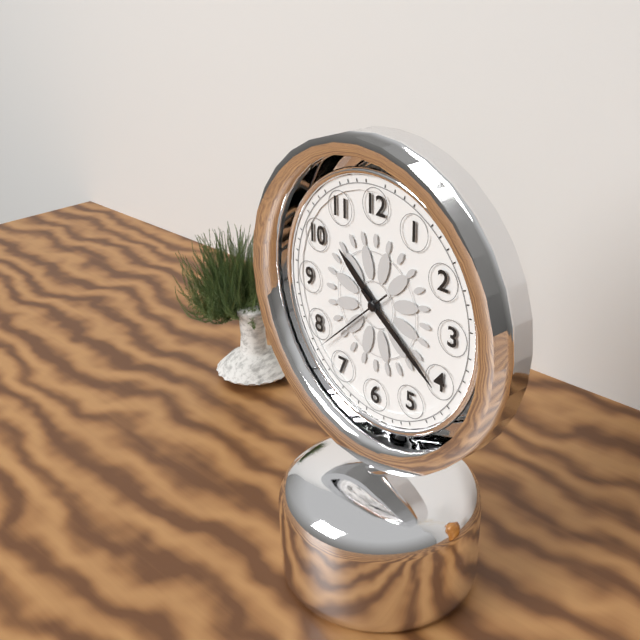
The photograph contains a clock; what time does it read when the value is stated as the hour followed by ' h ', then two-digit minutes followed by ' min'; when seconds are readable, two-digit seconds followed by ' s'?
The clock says 10 h 21 min 38 s
